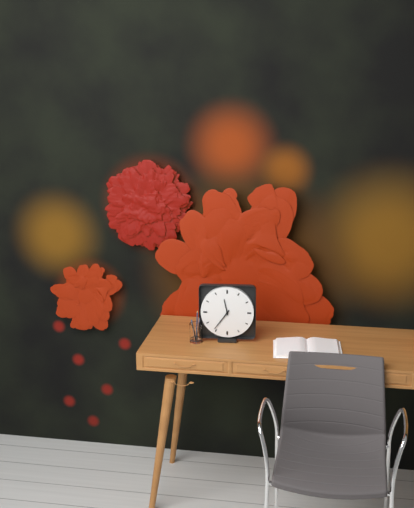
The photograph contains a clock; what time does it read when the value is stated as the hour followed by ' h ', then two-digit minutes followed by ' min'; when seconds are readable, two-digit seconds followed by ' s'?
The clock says 11 h 36 min
